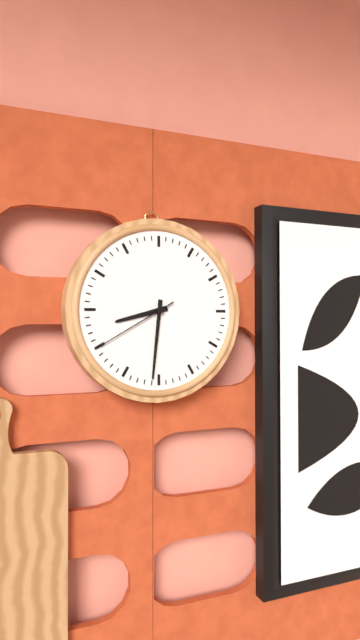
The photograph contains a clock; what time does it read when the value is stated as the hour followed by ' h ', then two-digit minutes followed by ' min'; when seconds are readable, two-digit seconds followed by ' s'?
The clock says 8 h 31 min 40 s
